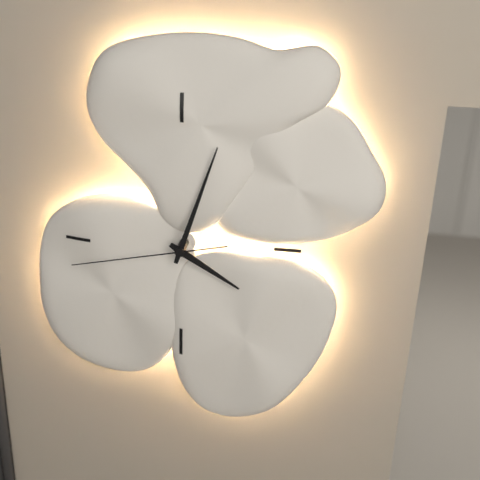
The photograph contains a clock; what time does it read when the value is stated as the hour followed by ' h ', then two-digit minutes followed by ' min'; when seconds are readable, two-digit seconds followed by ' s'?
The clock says 4 h 03 min 43 s
